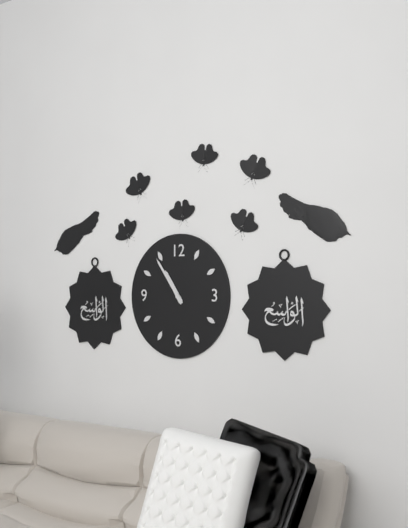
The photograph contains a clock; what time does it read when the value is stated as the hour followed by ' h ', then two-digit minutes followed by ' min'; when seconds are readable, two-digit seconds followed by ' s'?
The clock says 10 h 54 min
